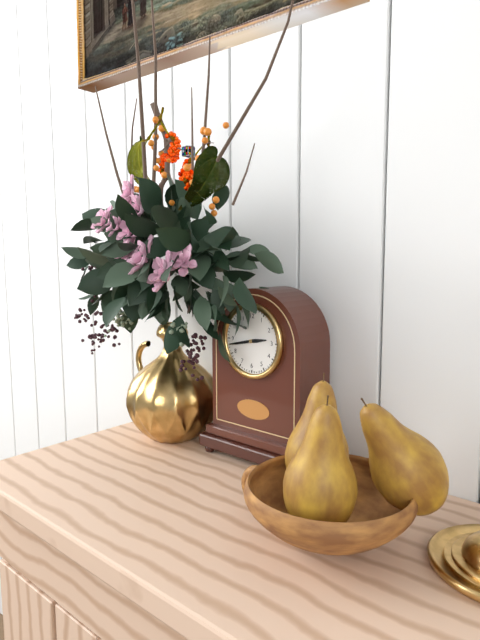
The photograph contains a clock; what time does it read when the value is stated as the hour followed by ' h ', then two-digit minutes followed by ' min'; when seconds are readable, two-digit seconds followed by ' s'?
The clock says 2 h 43 min
